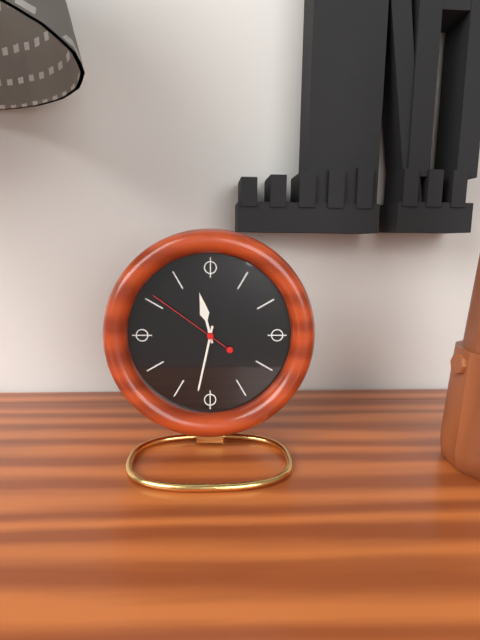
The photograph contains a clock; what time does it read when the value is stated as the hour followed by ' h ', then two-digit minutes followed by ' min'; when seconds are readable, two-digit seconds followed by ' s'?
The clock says 11 h 32 min 51 s
